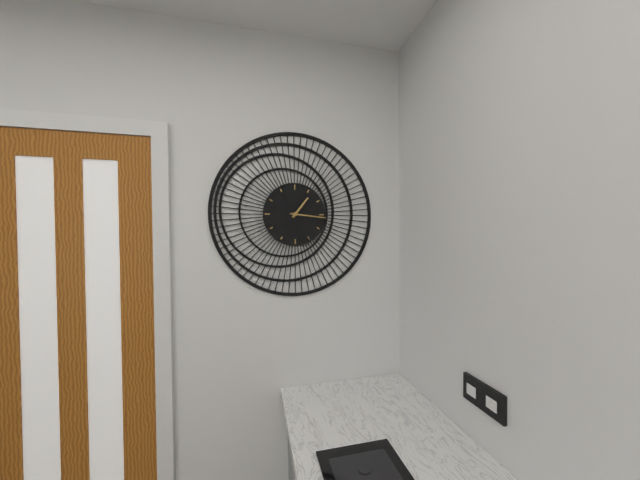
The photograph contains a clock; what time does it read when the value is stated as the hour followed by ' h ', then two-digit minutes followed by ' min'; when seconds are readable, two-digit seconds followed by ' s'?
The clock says 1 h 16 min
